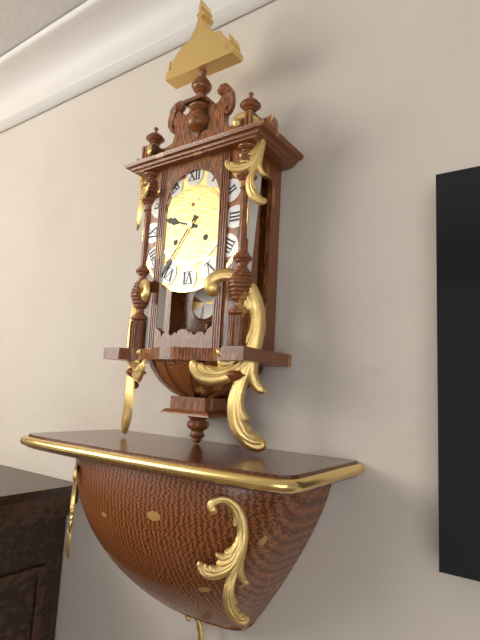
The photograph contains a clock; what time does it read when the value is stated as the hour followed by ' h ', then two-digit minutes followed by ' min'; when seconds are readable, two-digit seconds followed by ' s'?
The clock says 9 h 36 min
